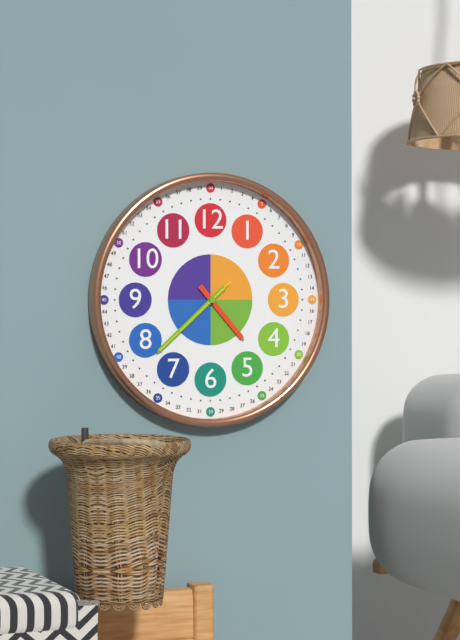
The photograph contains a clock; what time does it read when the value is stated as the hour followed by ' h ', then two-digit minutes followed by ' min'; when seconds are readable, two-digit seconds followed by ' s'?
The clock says 4 h 38 min 38 s
